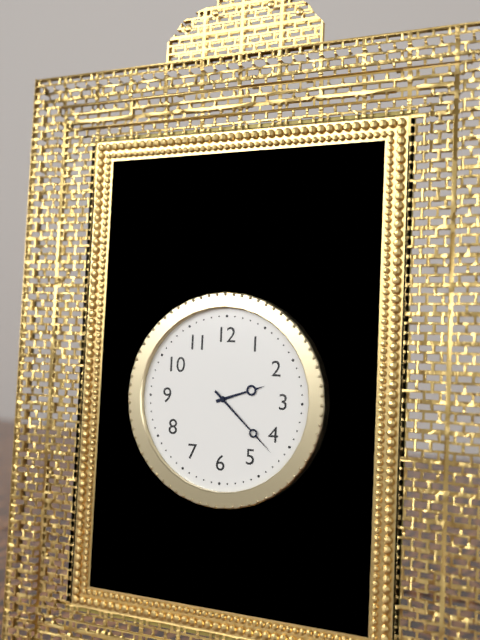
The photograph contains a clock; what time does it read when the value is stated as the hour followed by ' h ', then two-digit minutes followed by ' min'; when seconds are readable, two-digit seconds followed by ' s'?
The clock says 2 h 22 min
